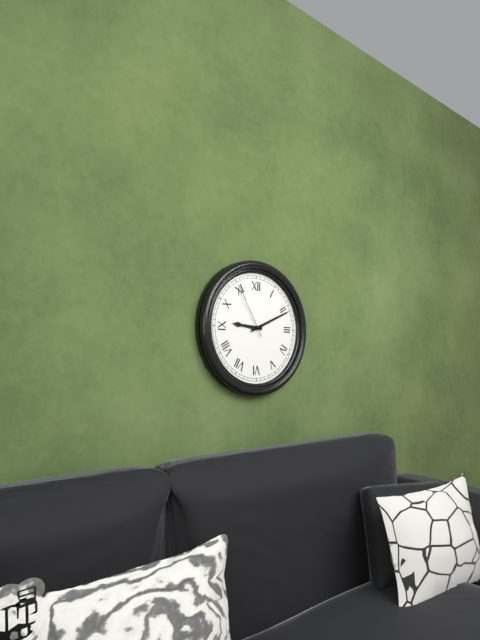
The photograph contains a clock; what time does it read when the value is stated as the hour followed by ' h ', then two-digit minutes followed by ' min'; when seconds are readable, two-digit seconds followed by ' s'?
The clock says 9 h 11 min 55 s
